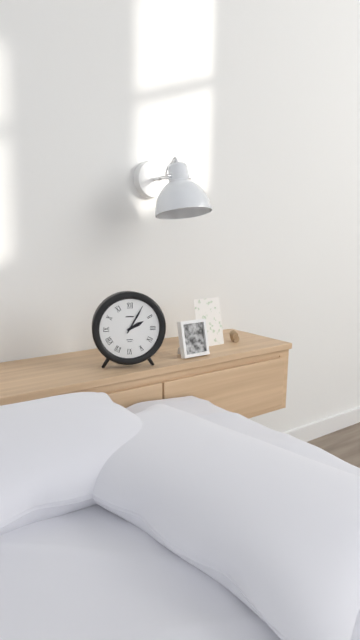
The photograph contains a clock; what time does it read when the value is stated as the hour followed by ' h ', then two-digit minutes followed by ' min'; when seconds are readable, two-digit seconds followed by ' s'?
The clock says 2 h 05 min
